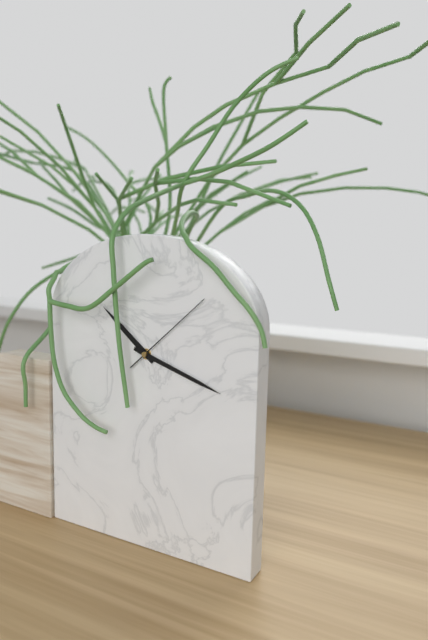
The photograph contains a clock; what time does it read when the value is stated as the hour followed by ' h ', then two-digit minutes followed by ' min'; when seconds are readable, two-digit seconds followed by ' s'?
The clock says 10 h 18 min 08 s
